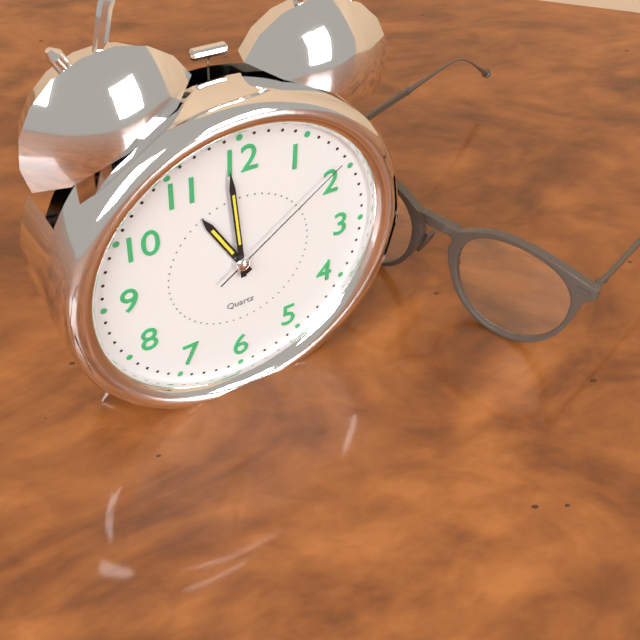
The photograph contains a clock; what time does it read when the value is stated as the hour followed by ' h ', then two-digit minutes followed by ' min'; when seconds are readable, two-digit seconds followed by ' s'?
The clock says 10 h 59 min 09 s
